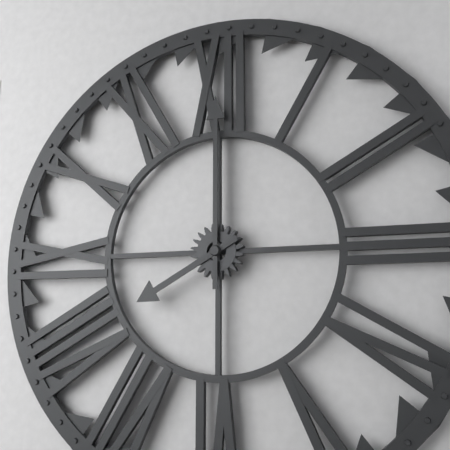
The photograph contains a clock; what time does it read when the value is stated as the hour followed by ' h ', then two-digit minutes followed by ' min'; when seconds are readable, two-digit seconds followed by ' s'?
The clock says 8 h 00 min
